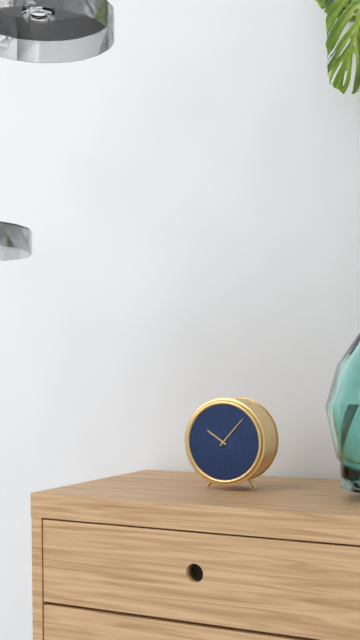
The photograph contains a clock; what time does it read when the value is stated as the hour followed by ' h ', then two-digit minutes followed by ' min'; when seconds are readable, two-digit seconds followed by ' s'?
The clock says 10 h 07 min
